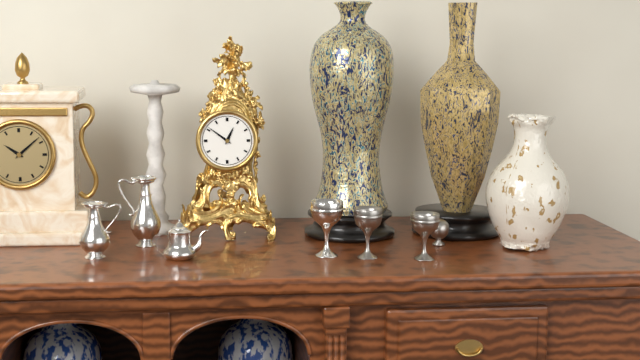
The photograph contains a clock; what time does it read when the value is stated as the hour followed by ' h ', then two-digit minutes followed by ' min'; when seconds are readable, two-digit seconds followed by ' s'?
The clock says 12 h 51 min
